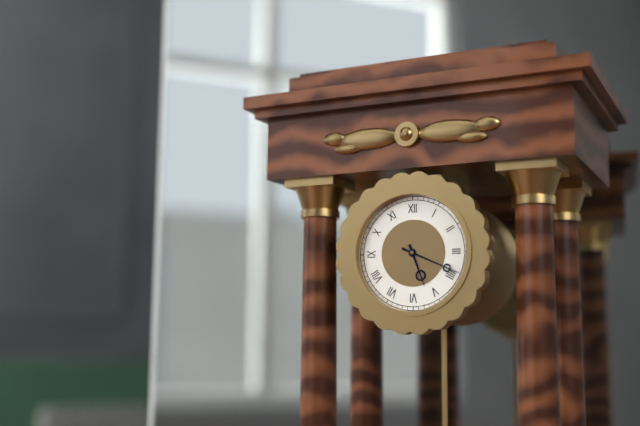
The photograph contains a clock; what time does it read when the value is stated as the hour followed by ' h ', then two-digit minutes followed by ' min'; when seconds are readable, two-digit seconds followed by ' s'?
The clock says 5 h 19 min
